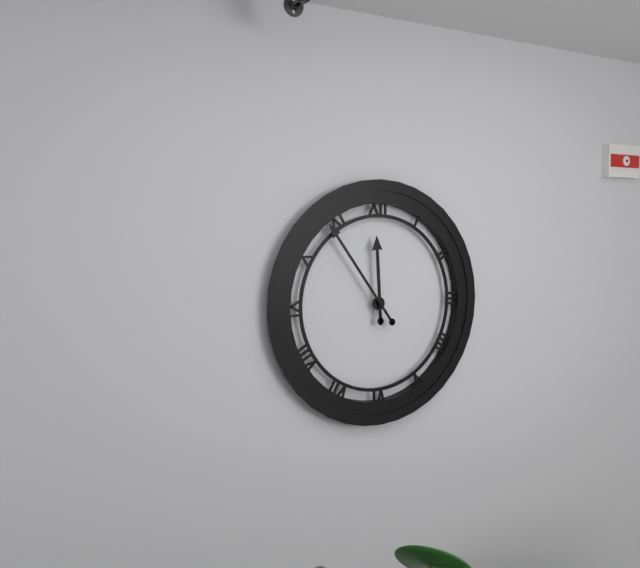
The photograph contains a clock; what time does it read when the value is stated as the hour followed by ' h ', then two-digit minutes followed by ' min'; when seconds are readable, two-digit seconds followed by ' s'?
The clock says 11 h 54 min
